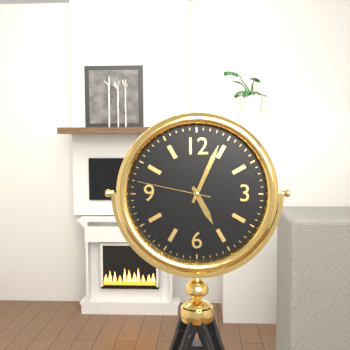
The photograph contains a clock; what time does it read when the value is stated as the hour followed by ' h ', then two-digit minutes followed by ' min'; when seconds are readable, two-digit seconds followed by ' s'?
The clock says 5 h 04 min 47 s
